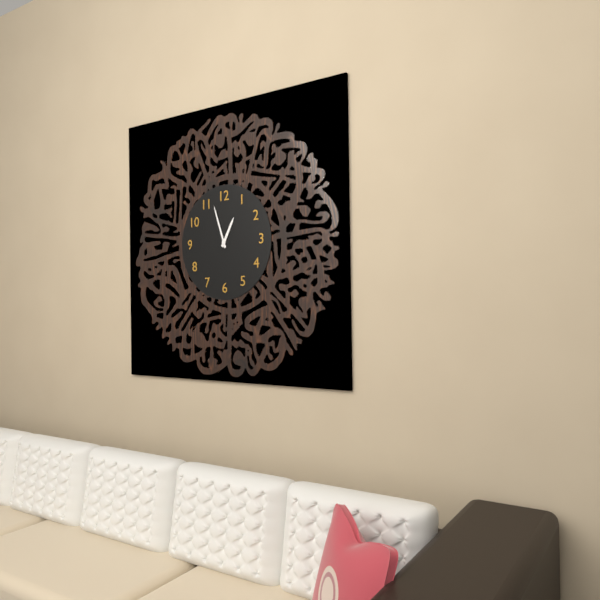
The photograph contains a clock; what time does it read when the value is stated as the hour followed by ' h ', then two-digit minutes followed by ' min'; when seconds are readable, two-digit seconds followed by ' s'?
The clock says 12 h 57 min
